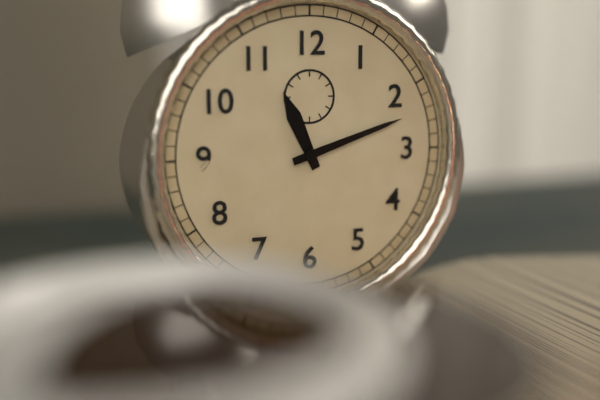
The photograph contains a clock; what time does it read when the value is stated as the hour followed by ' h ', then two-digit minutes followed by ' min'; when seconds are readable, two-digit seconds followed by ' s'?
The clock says 11 h 12 min
